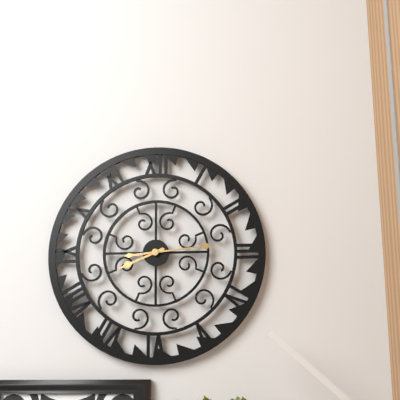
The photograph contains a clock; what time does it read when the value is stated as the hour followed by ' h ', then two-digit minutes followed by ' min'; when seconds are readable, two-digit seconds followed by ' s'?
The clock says 8 h 14 min
